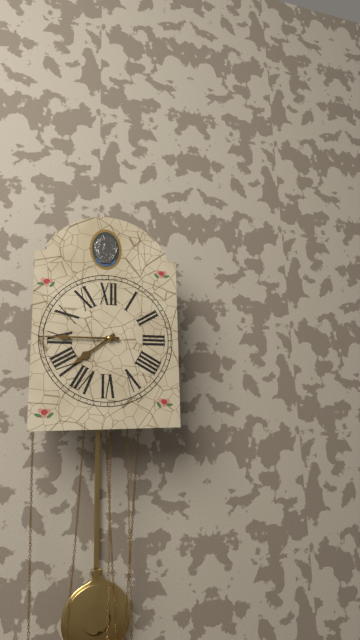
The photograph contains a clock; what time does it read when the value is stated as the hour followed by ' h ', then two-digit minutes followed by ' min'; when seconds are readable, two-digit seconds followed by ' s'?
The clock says 7 h 45 min
